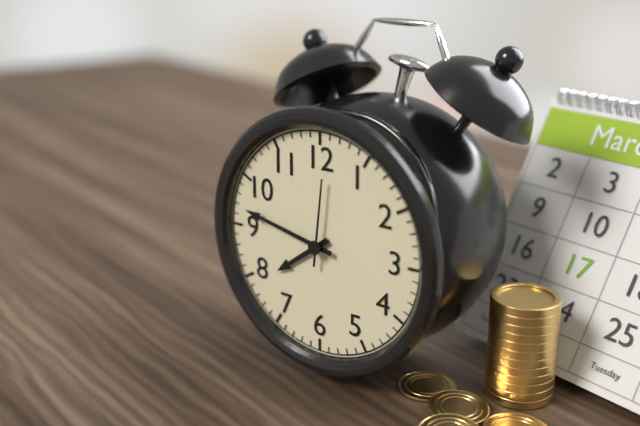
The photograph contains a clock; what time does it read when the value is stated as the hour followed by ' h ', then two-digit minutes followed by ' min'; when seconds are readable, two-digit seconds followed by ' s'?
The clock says 7 h 47 min 01 s
